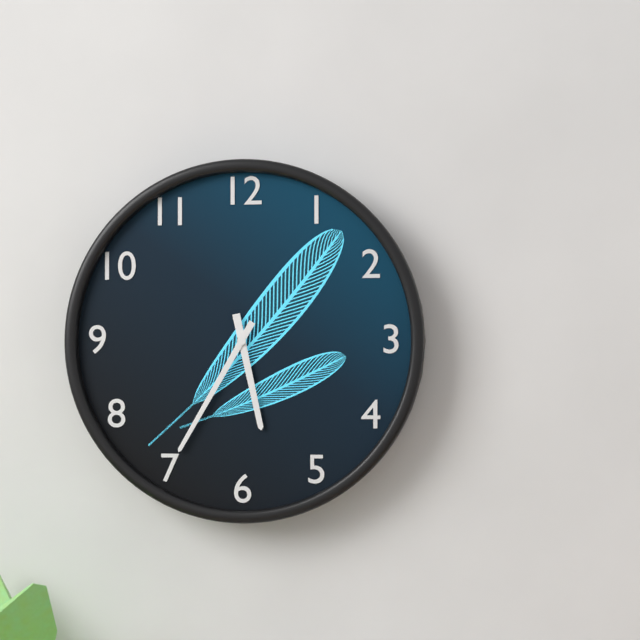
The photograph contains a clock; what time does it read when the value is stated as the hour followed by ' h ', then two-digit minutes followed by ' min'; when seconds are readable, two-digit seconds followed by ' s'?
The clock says 5 h 35 min
